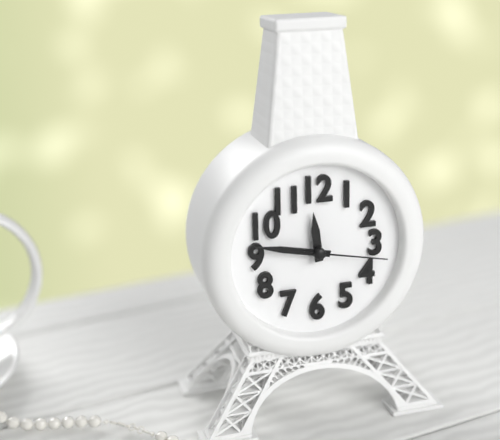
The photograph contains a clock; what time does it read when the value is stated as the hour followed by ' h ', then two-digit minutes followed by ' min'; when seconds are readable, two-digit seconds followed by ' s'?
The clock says 11 h 47 min 17 s
